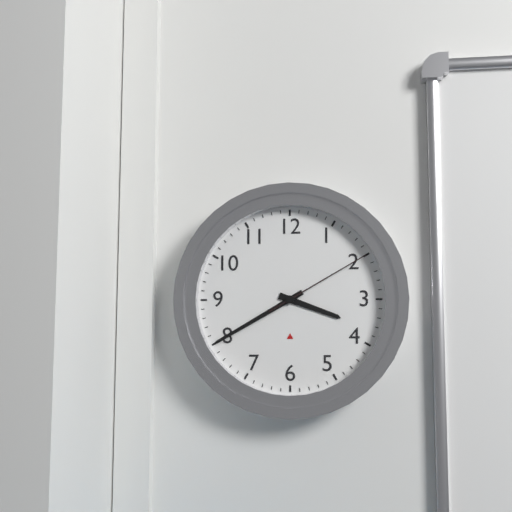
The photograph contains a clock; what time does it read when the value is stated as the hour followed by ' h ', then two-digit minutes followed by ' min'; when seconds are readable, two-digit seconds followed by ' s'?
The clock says 3 h 40 min 10 s
